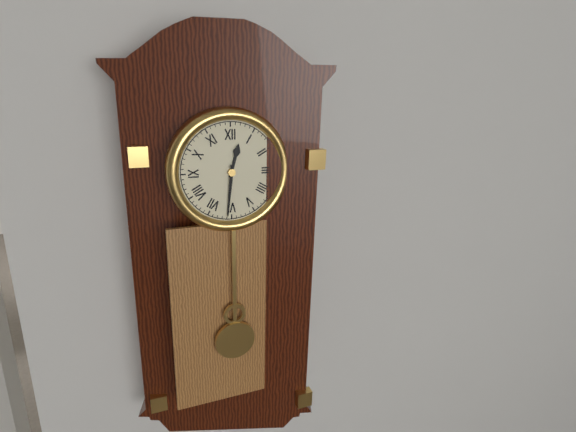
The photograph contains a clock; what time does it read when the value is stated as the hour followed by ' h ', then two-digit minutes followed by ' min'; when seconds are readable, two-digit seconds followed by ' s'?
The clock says 12 h 31 min
